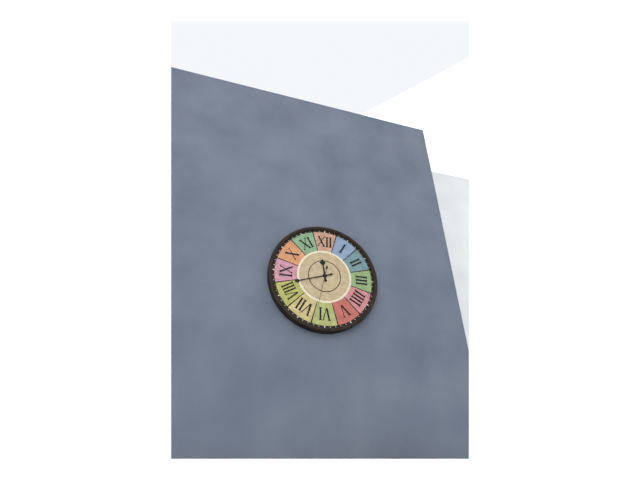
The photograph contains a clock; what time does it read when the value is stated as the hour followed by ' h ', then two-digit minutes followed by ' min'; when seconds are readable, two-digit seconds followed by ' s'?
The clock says 11 h 42 min
